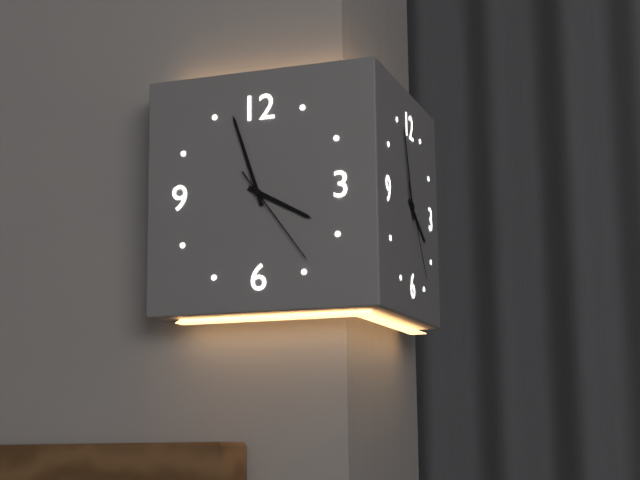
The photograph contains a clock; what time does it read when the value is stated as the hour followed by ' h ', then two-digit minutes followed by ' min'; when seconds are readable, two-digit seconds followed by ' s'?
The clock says 3 h 57 min 24 s
